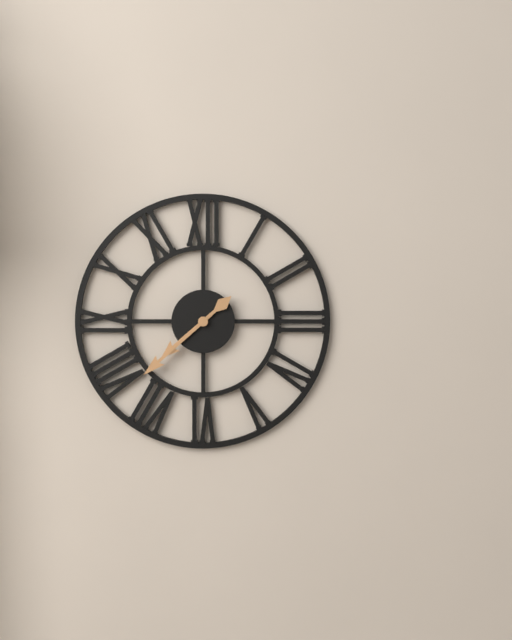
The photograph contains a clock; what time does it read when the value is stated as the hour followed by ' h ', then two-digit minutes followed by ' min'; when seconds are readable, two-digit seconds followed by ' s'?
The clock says 7 h 38 min
